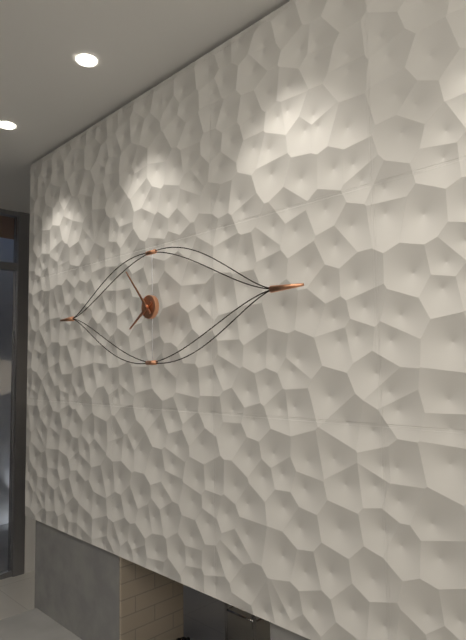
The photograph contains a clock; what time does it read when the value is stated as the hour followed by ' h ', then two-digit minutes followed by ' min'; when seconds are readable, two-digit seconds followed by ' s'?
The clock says 7 h 53 min
